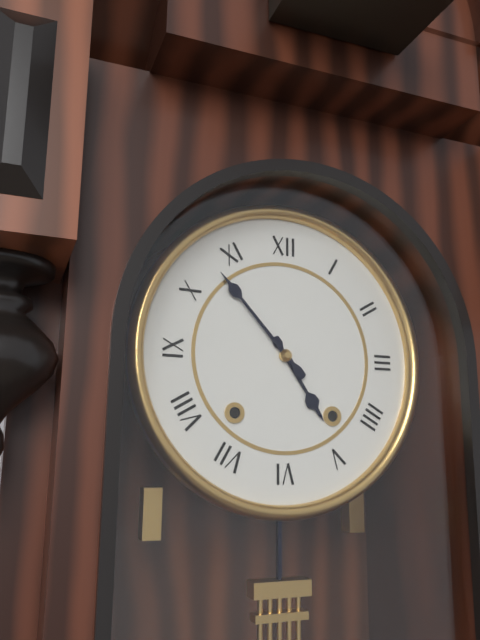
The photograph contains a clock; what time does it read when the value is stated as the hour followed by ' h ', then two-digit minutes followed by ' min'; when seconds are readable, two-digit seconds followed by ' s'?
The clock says 4 h 53 min
